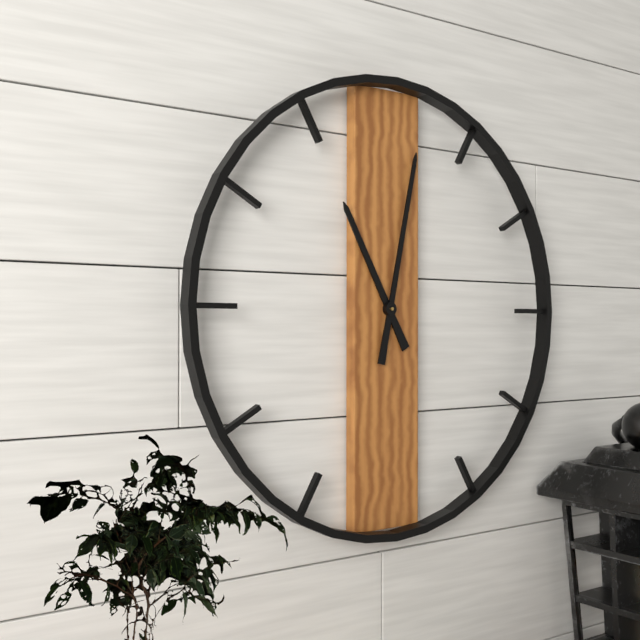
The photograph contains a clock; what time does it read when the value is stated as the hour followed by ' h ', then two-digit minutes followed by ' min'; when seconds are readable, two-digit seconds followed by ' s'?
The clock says 11 h 02 min
